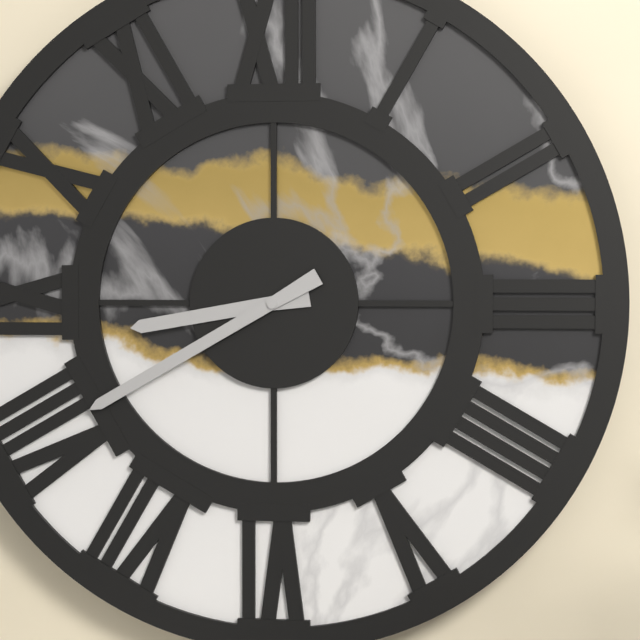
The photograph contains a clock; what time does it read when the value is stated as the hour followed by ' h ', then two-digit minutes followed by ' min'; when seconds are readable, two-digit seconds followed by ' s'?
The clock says 8 h 40 min
